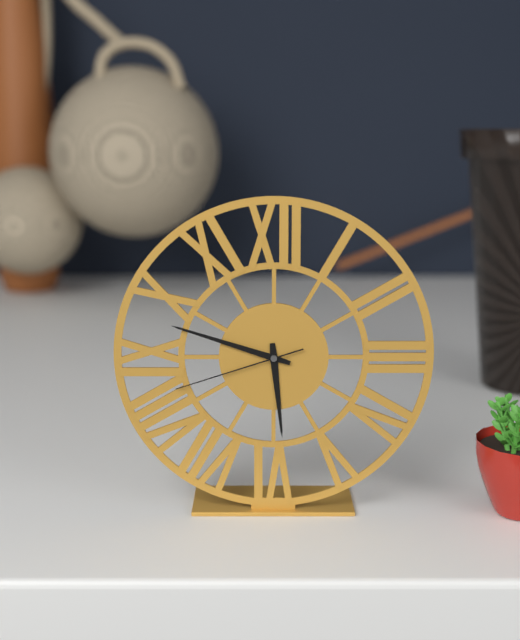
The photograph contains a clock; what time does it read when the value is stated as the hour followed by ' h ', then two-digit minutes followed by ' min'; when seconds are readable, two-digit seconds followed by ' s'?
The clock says 5 h 48 min 42 s
